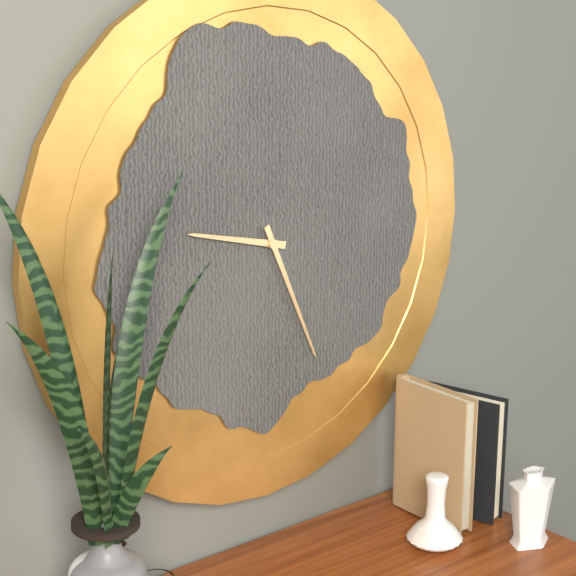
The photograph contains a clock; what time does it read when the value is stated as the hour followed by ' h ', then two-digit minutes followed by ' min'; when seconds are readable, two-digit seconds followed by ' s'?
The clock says 9 h 26 min
